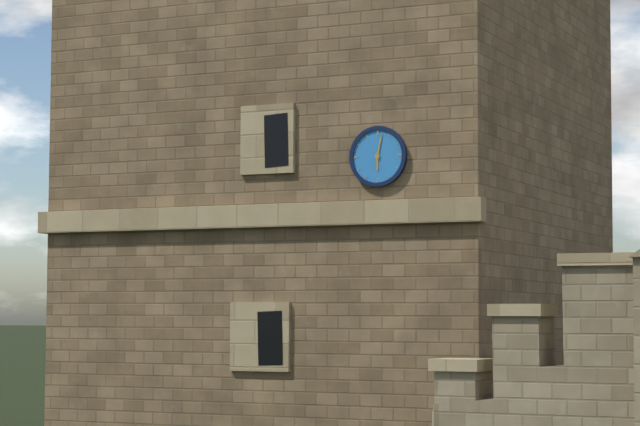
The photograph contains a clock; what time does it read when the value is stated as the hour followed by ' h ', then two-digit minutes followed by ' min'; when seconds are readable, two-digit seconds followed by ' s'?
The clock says 6 h 02 min
